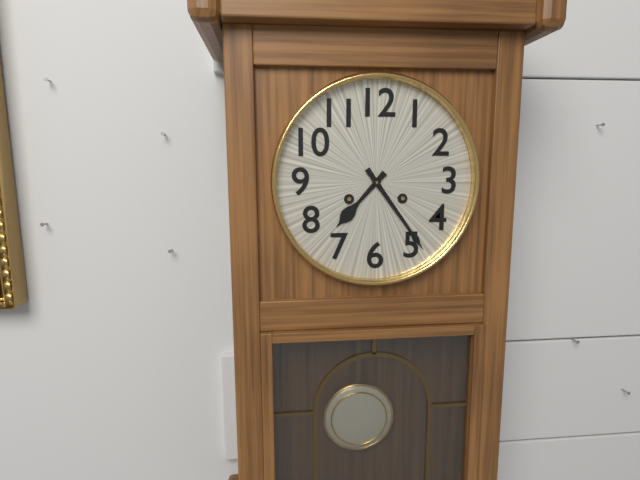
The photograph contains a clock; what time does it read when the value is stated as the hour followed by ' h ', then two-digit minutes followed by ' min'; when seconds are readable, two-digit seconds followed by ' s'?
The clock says 7 h 24 min
